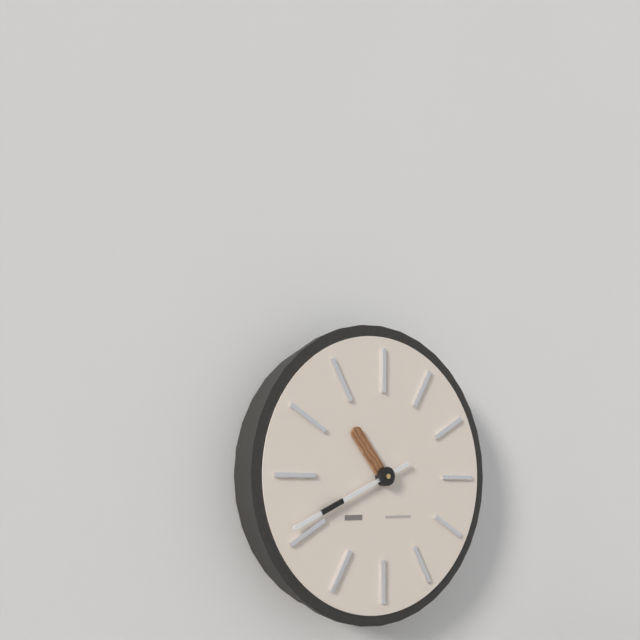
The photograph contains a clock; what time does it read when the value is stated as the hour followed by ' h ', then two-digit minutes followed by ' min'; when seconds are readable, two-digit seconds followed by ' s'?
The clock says 10 h 41 min
